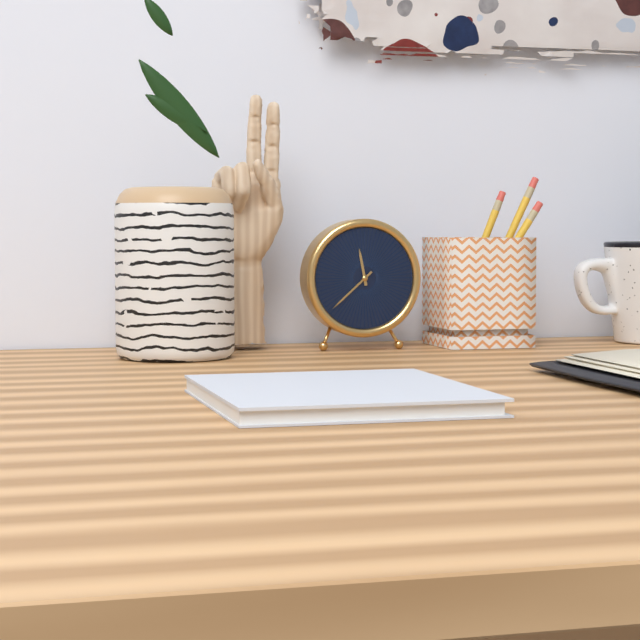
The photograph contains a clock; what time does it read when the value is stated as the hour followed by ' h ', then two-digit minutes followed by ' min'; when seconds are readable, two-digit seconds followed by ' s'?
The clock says 11 h 38 min
